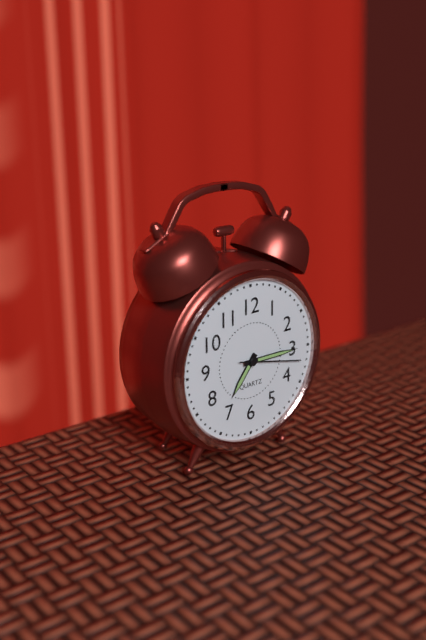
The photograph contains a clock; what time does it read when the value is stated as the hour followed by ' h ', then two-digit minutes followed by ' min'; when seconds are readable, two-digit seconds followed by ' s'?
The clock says 7 h 15 min 17 s
